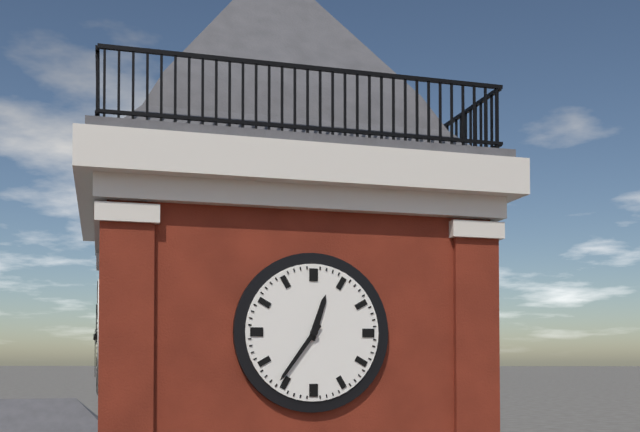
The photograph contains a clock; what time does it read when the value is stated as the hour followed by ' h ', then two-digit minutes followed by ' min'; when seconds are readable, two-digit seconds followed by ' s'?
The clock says 12 h 36 min
